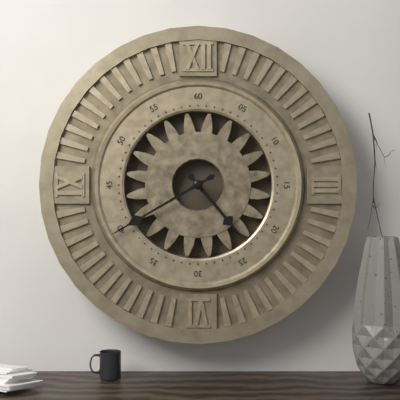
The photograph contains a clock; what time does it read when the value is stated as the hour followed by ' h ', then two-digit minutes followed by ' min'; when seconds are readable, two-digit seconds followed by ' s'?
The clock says 4 h 40 min
